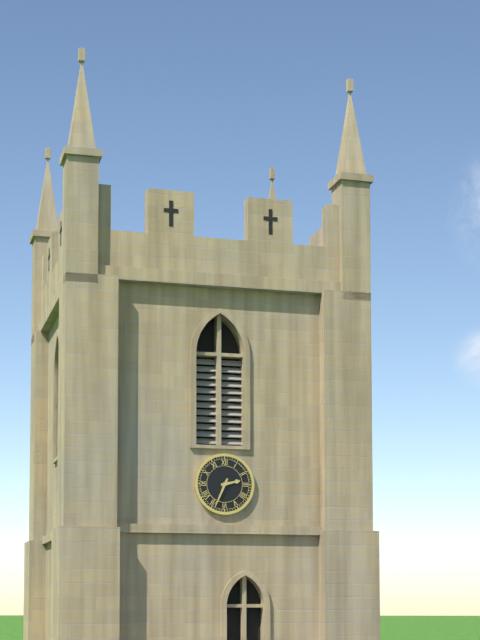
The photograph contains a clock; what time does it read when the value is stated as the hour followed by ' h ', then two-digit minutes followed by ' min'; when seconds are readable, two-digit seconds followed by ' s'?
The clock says 2 h 34 min
